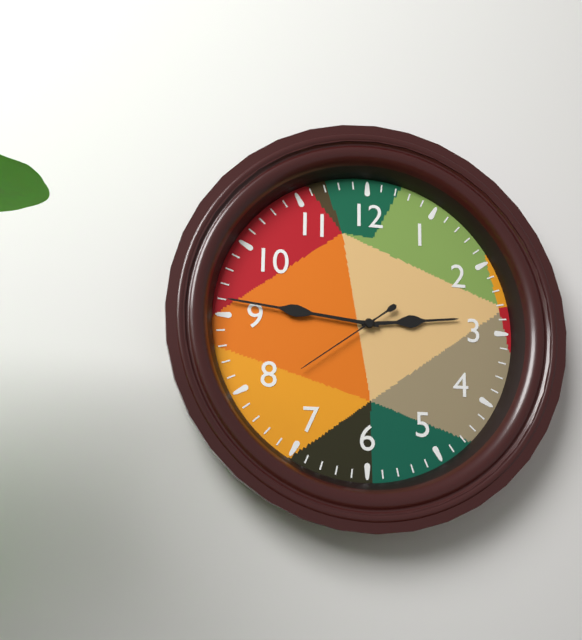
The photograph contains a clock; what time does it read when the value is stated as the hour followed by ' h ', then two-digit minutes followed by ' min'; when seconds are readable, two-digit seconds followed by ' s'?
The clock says 2 h 46 min 39 s
